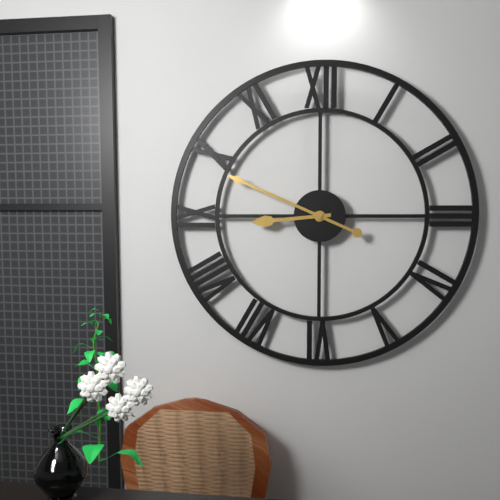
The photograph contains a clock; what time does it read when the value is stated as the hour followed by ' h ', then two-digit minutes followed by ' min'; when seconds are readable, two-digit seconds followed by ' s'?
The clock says 8 h 49 min
